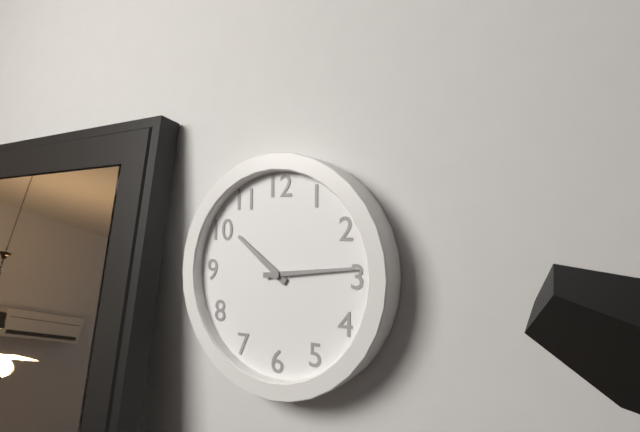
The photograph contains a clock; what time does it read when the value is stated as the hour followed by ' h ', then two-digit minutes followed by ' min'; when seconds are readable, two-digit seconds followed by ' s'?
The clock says 10 h 14 min
